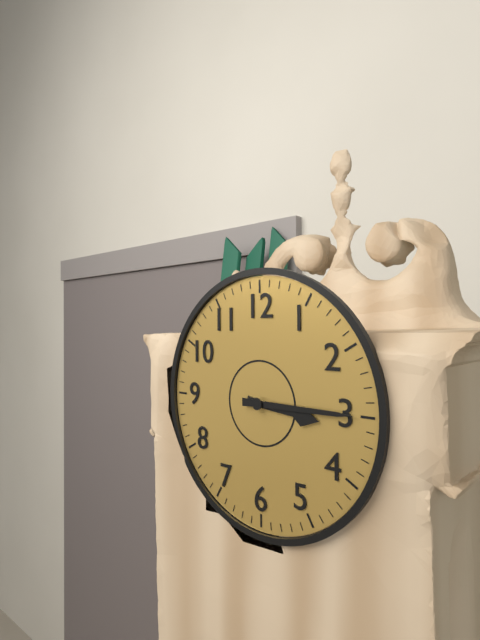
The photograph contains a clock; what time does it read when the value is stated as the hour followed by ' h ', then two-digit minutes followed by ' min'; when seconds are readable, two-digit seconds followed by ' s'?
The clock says 3 h 15 min
